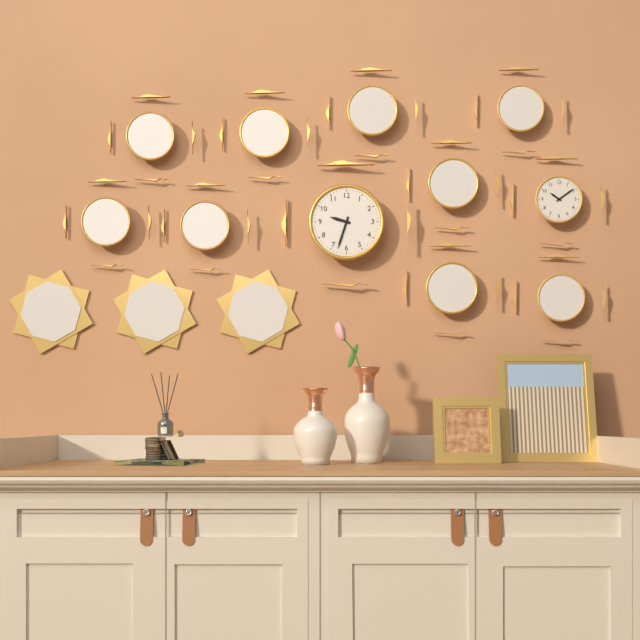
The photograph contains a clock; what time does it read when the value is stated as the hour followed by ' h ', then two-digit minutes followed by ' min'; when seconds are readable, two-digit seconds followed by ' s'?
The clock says 9 h 33 min
